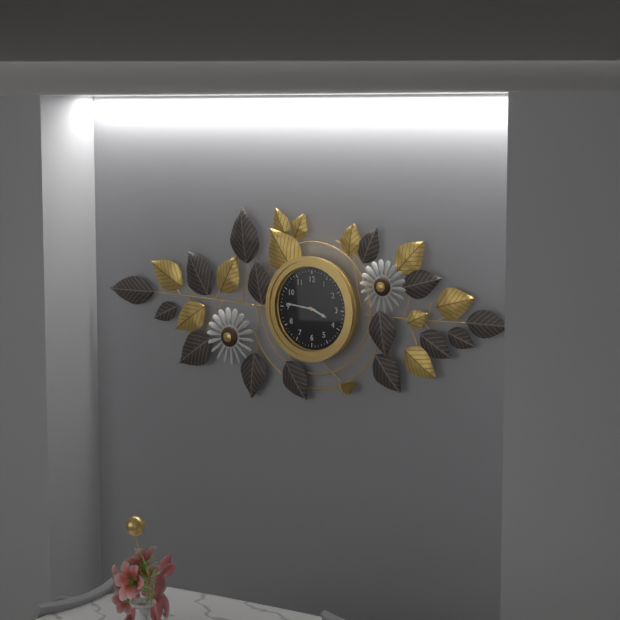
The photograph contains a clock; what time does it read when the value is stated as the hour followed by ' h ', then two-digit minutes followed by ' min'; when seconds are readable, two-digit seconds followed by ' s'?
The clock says 3 h 46 min
